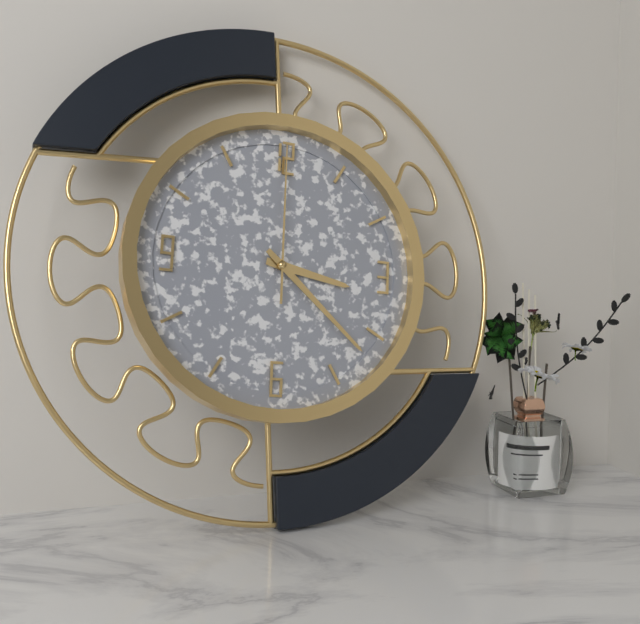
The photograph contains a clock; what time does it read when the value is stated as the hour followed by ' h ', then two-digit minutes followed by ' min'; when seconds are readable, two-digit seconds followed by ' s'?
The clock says 3 h 22 min 00 s
